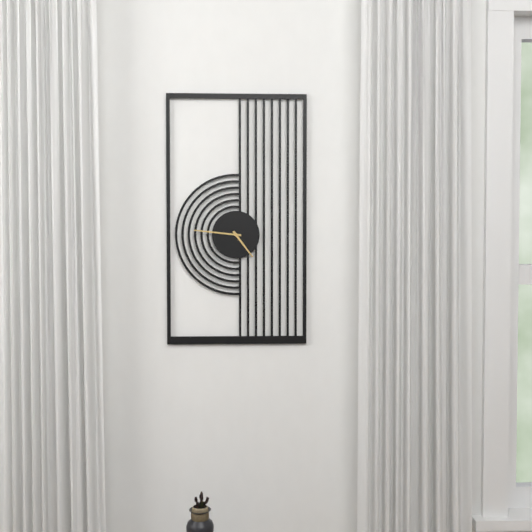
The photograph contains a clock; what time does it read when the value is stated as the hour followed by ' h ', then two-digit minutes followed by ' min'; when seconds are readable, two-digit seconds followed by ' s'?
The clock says 4 h 46 min
